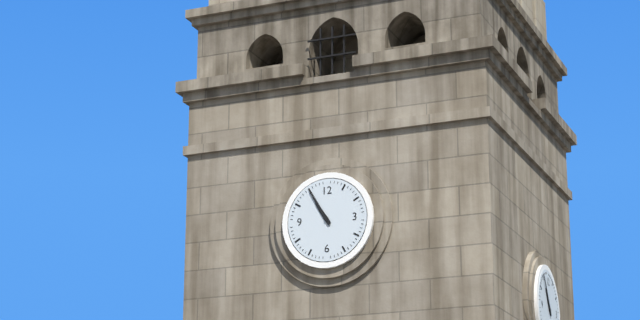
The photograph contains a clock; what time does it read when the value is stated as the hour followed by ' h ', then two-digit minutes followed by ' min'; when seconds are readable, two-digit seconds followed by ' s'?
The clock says 10 h 55 min
